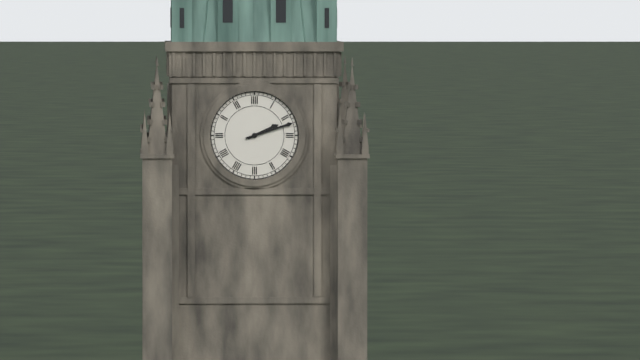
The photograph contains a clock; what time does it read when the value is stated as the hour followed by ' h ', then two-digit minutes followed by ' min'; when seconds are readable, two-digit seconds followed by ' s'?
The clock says 2 h 12 min
